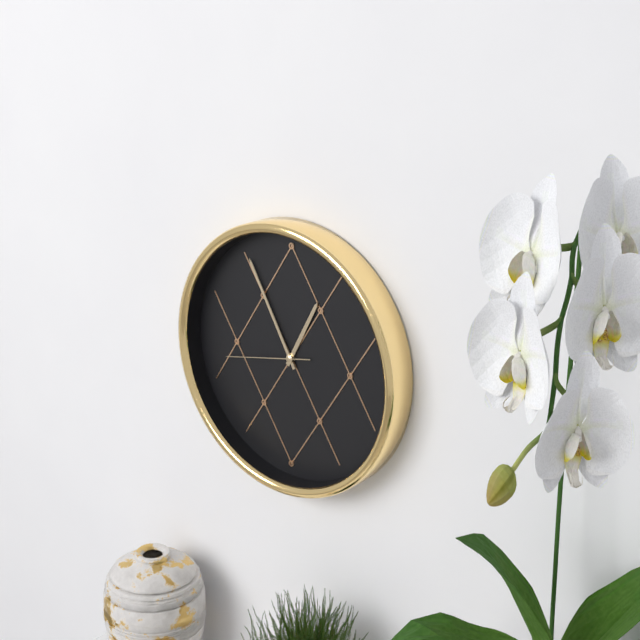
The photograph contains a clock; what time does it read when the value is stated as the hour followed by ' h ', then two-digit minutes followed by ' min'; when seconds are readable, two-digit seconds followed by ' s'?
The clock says 12 h 55 min 43 s
